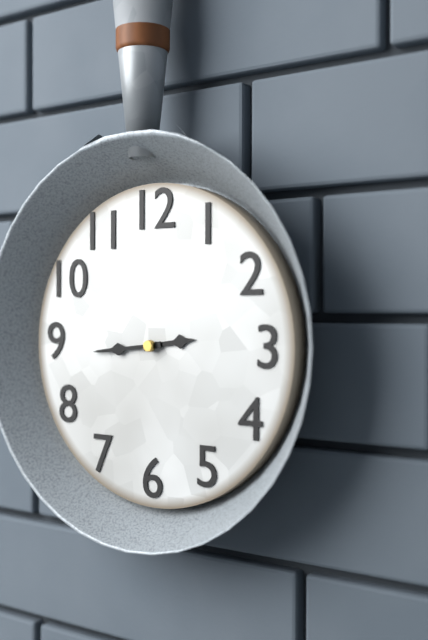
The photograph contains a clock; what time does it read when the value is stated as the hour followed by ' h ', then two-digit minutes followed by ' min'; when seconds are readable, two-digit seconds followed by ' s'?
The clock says 2 h 44 min
